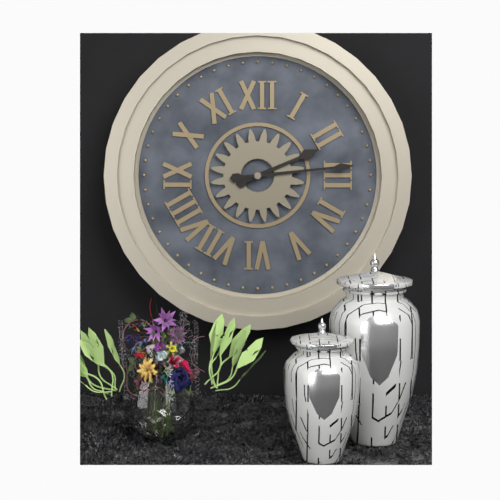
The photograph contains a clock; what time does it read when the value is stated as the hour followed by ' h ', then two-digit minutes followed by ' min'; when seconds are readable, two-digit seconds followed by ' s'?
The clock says 2 h 14 min
